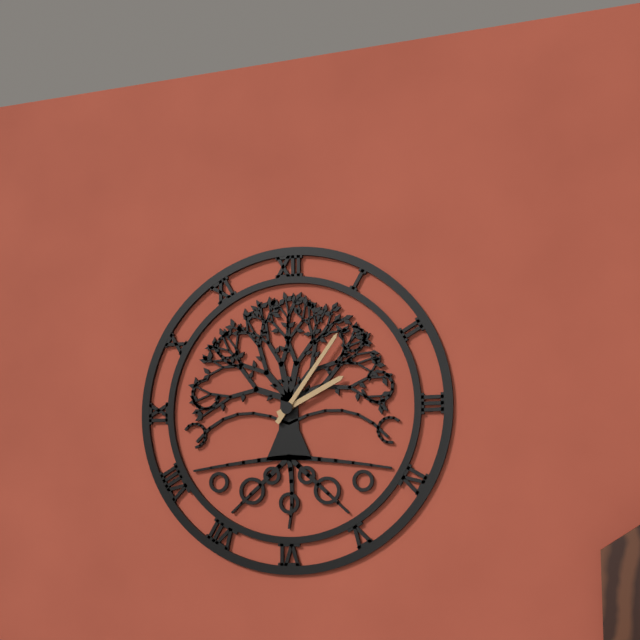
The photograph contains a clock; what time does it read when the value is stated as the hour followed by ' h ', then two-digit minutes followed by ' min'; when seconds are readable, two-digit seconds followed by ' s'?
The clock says 2 h 06 min
